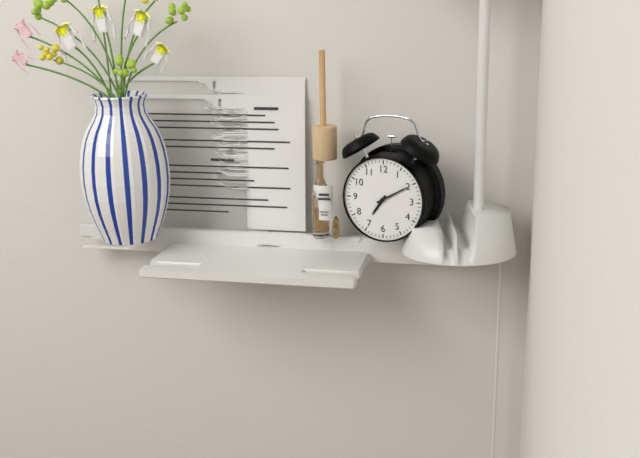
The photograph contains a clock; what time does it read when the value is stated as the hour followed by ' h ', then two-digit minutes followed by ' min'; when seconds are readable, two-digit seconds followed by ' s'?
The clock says 7 h 10 min
